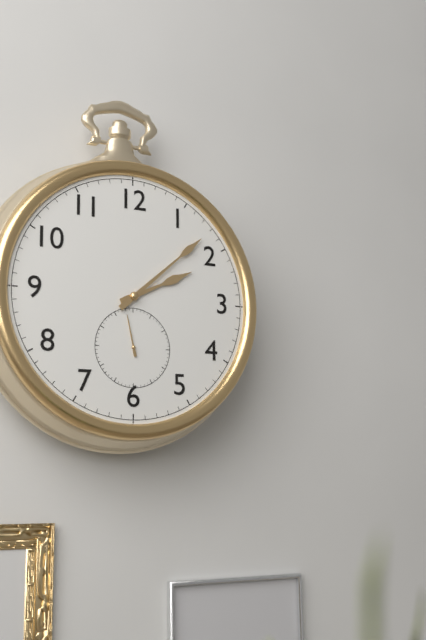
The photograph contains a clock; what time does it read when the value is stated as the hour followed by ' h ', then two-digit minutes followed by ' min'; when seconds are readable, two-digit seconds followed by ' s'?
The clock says 2 h 08 min
